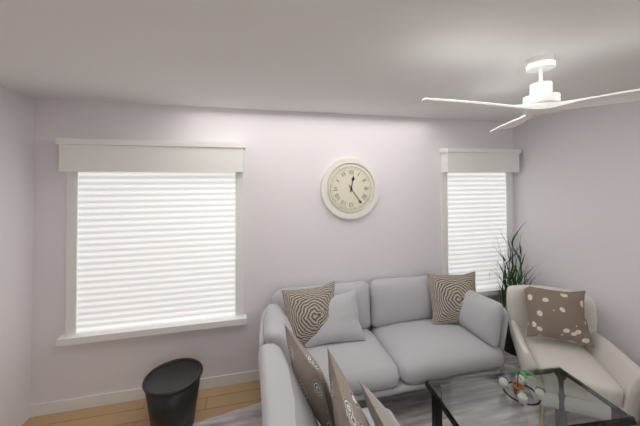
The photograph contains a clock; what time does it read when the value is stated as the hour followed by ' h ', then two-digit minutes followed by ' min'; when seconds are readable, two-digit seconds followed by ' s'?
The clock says 12 h 24 min
